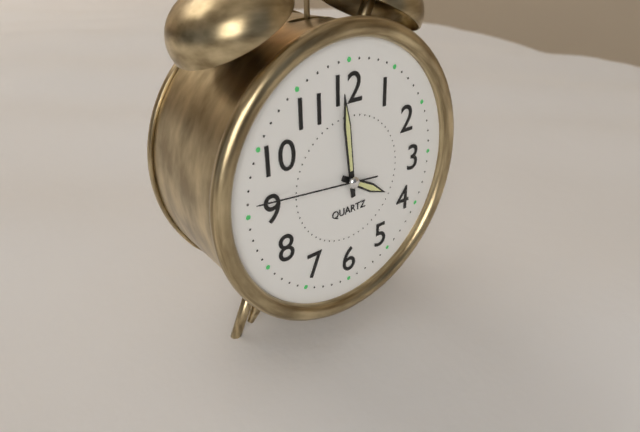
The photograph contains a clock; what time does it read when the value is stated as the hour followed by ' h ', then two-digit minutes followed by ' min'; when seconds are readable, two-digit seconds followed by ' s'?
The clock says 3 h 59 min 46 s
